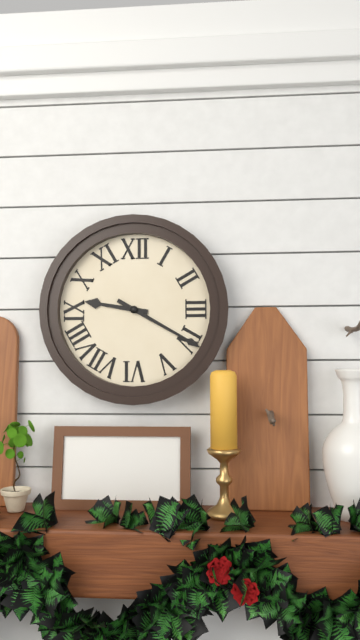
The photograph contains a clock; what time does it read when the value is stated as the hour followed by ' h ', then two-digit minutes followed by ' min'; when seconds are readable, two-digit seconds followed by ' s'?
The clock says 9 h 20 min
